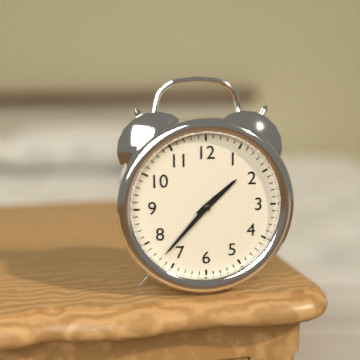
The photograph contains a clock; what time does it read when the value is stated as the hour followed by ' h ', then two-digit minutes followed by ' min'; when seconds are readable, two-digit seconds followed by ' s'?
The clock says 1 h 37 min
